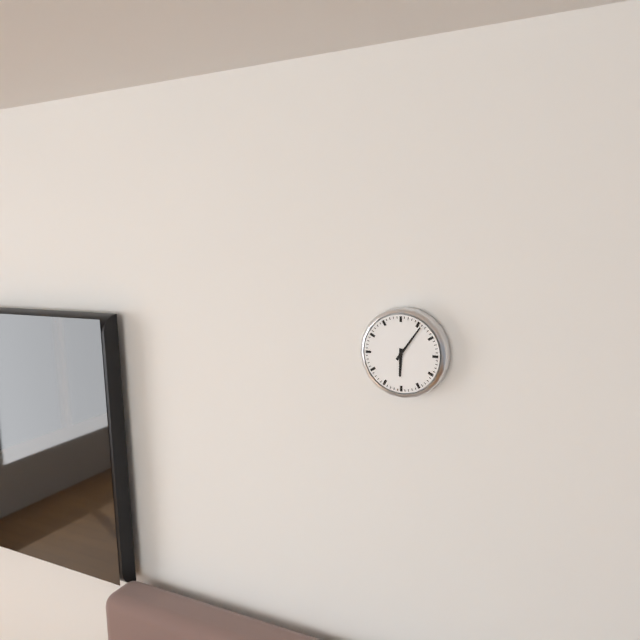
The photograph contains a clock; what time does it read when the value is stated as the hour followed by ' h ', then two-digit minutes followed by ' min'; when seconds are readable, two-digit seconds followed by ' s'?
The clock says 6 h 06 min
